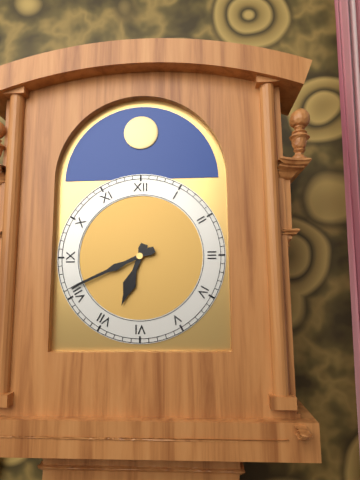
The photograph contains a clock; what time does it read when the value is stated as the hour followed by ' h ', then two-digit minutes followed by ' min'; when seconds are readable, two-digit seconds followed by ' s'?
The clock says 6 h 41 min
